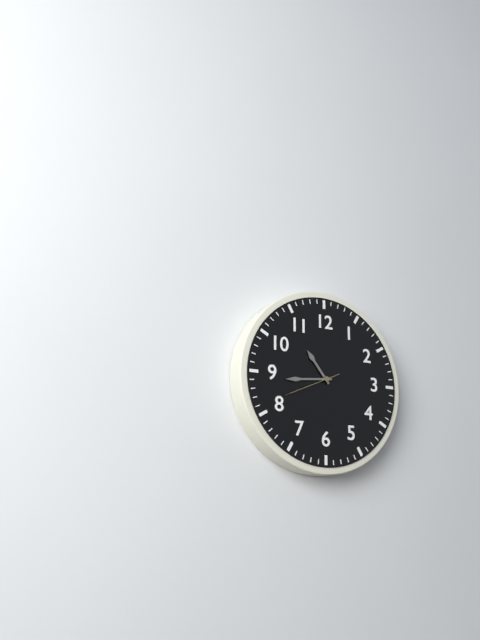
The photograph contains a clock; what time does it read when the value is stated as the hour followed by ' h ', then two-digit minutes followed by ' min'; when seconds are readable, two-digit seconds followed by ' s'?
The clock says 10 h 44 min 41 s
